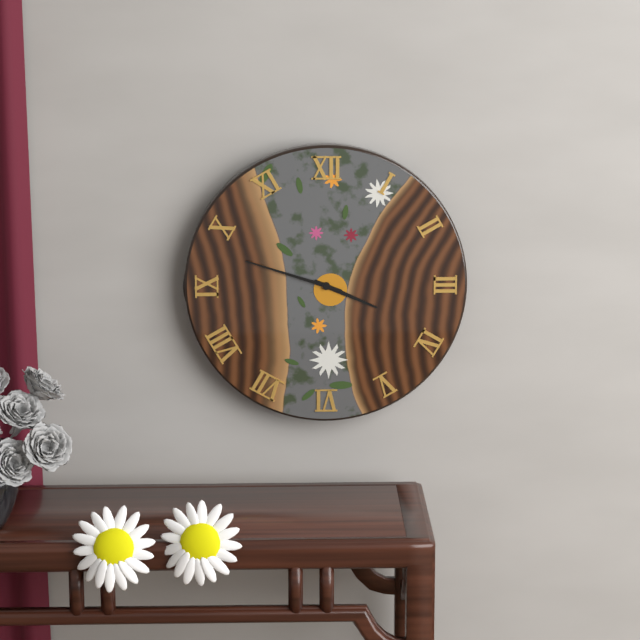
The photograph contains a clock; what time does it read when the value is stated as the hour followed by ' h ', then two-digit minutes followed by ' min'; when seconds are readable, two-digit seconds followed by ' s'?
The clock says 3 h 48 min
